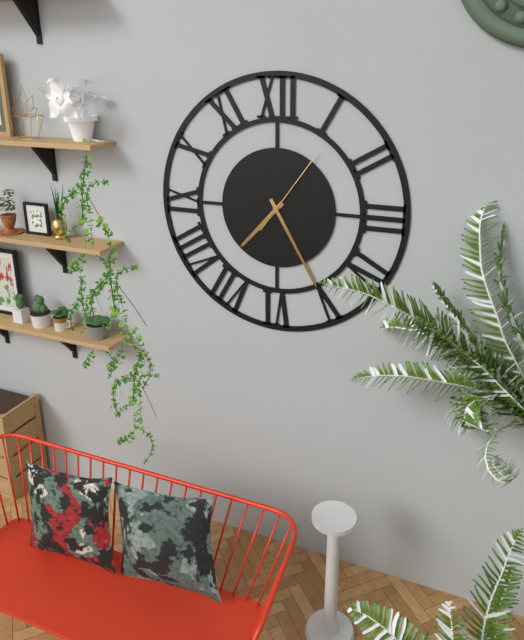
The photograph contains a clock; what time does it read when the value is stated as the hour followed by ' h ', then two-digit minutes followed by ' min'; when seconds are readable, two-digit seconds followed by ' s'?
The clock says 7 h 25 min 06 s
